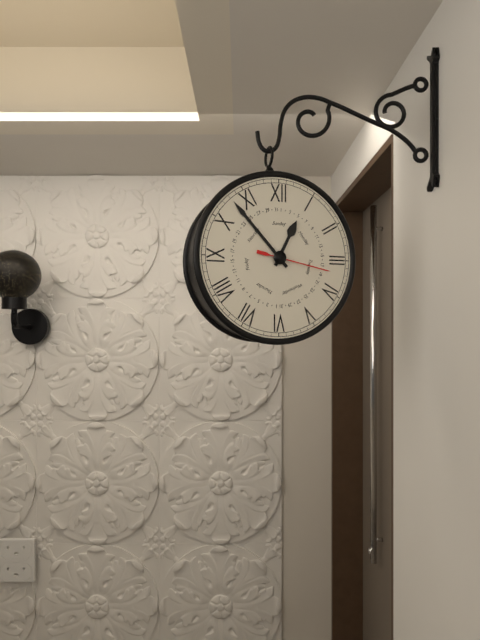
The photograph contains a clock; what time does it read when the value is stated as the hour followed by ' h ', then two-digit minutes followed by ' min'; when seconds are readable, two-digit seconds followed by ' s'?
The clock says 12 h 53 min 17 s
